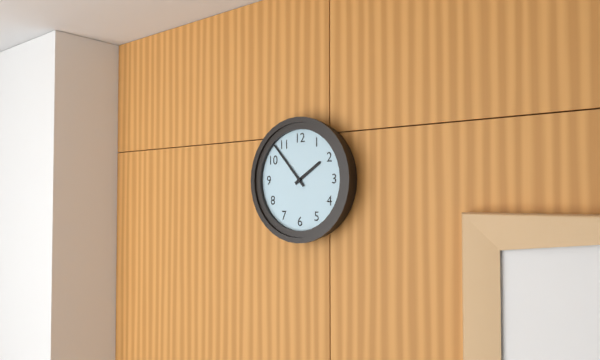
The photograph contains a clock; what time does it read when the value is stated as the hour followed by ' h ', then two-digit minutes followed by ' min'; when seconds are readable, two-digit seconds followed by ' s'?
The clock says 1 h 53 min
